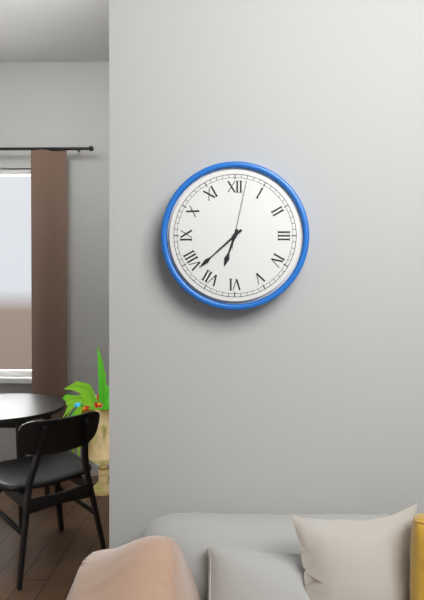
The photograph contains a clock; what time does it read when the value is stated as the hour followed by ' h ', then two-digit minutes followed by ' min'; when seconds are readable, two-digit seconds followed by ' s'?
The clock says 6 h 38 min 02 s
